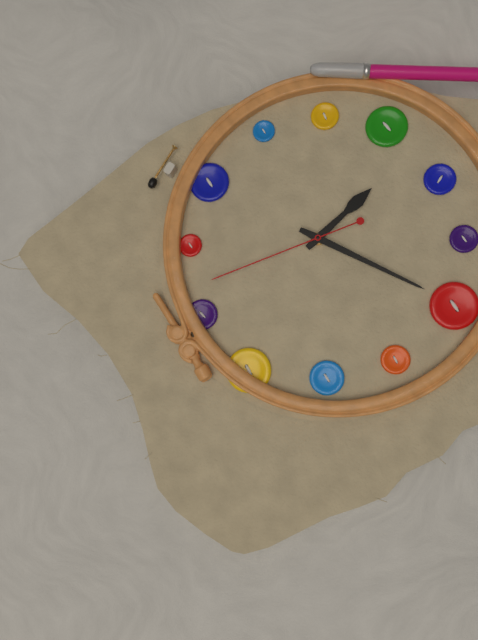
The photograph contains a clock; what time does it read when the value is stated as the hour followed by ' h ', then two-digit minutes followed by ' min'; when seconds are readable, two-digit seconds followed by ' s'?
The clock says 5 h 40 min 02 s
